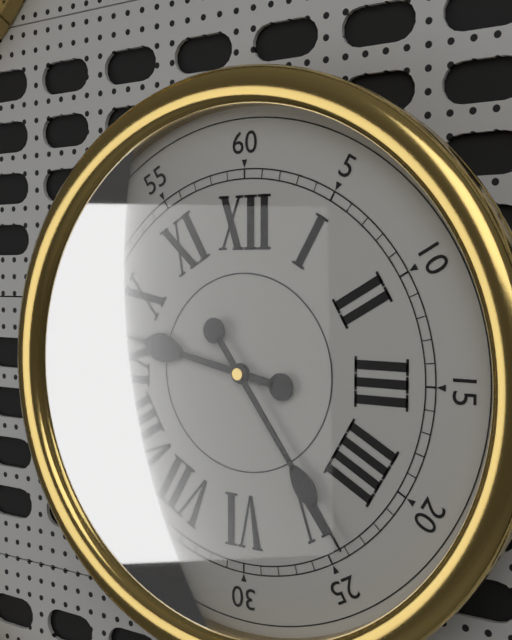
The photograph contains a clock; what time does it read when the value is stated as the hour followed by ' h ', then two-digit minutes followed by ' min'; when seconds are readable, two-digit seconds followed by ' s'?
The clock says 9 h 24 min
